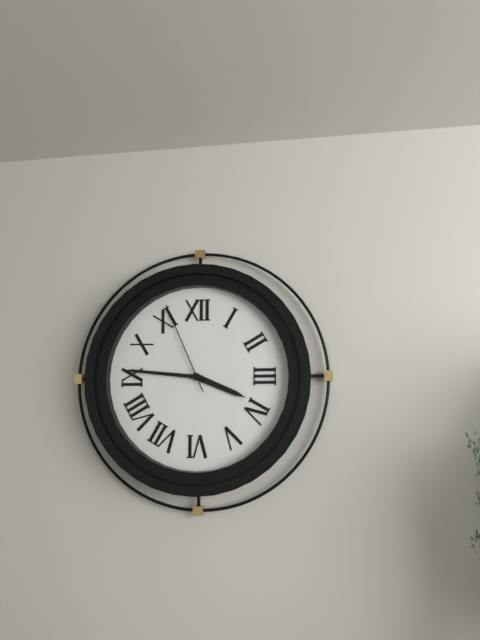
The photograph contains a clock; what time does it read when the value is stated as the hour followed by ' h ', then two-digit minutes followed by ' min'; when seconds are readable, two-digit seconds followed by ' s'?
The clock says 3 h 46 min 56 s
